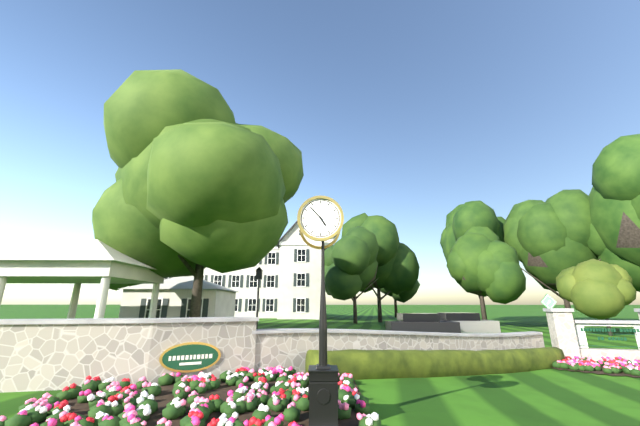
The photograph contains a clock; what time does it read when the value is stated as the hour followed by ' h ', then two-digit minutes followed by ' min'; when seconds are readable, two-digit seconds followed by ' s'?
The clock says 4 h 53 min
